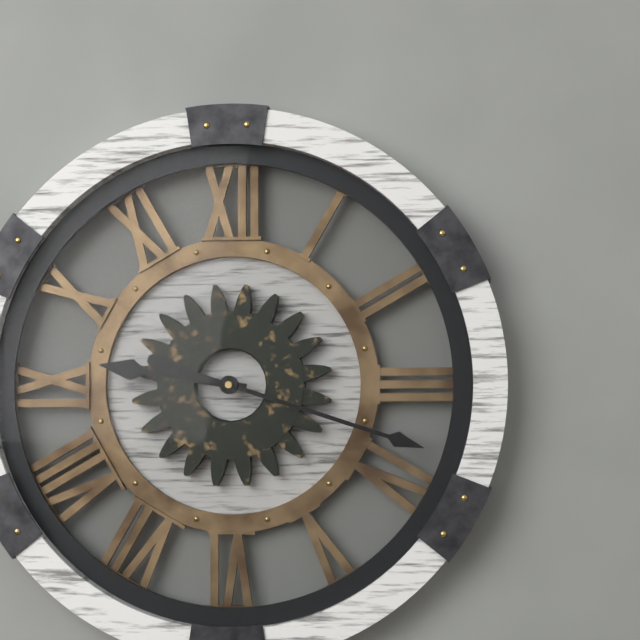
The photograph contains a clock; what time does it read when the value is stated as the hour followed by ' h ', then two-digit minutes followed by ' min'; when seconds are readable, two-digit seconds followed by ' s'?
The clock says 9 h 18 min
